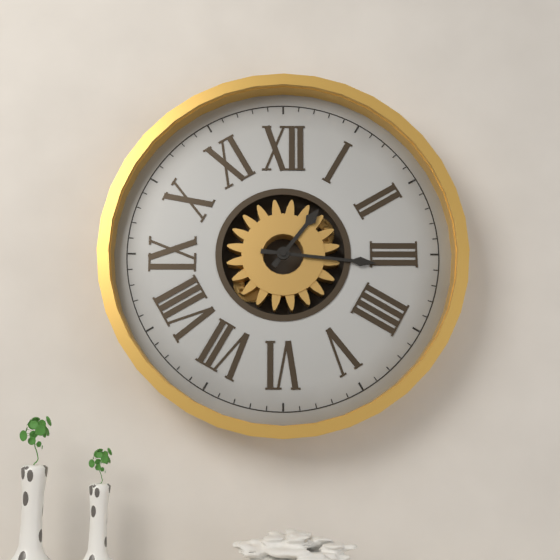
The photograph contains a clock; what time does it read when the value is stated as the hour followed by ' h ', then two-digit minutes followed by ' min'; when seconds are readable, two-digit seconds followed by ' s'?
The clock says 1 h 16 min
